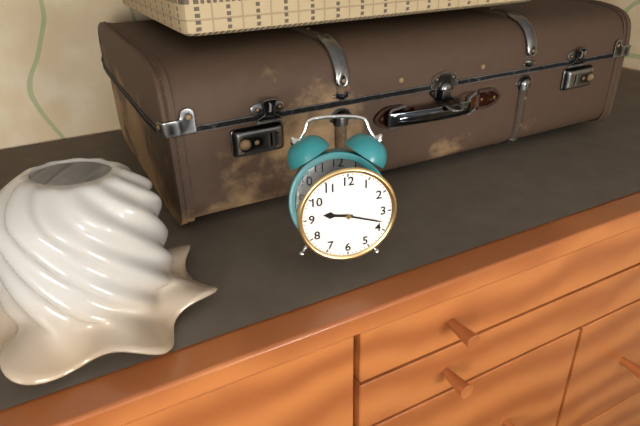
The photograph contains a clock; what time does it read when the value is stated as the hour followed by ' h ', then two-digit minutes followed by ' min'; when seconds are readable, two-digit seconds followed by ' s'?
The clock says 9 h 18 min
